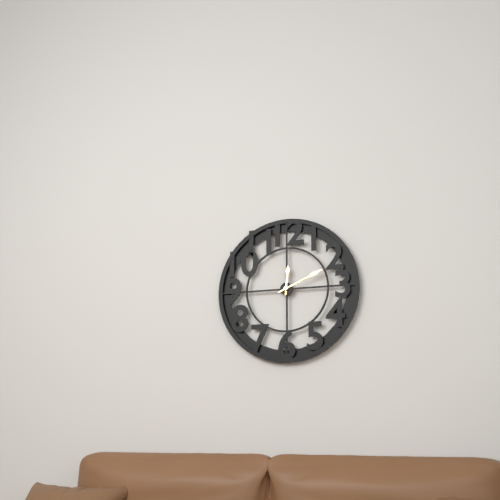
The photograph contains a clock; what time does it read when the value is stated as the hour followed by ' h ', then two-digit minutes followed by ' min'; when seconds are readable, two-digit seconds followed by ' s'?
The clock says 12 h 11 min
